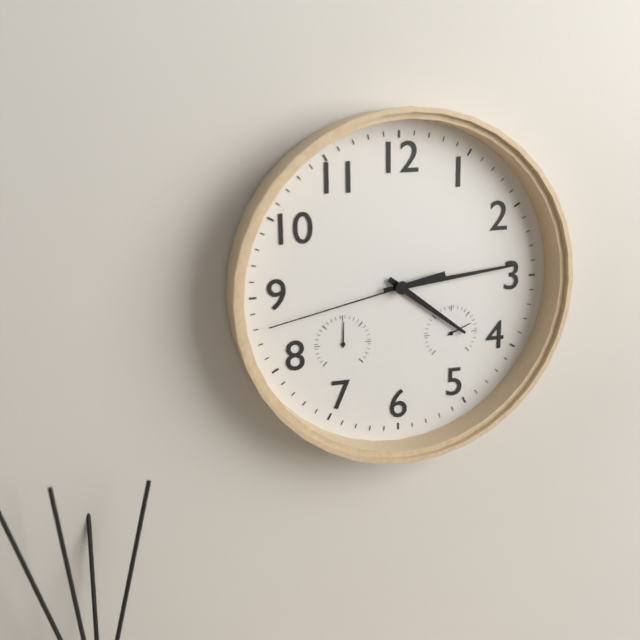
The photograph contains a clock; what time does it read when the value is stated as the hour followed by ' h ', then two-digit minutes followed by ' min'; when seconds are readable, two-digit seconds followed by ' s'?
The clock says 4 h 14 min 43 s
